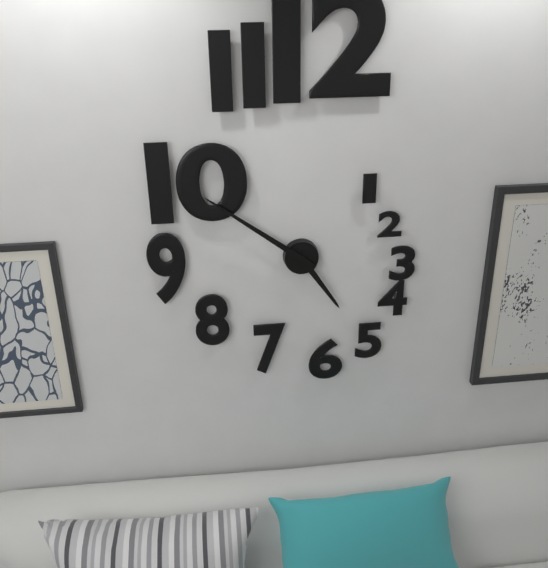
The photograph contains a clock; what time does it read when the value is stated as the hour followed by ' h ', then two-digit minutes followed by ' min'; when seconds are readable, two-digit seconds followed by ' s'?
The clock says 4 h 51 min
